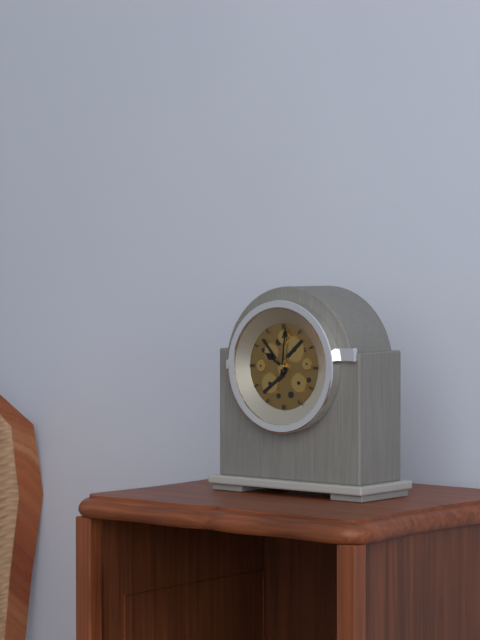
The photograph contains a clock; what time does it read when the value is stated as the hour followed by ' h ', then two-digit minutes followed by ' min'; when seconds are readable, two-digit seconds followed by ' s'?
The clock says 10 h 01 min
